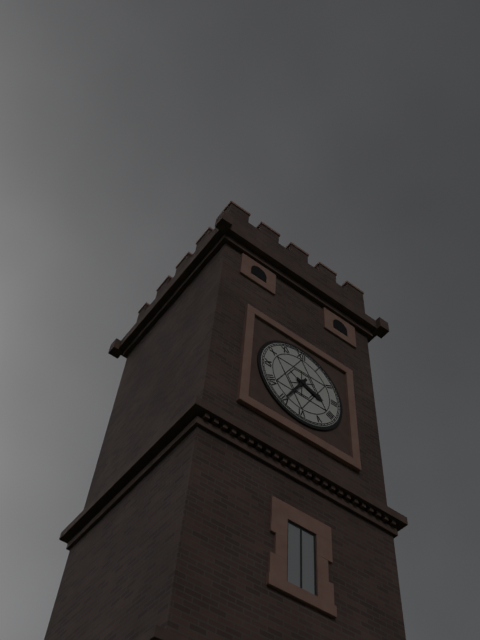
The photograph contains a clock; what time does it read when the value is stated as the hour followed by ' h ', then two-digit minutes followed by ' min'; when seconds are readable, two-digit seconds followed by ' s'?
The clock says 3 h 35 min
